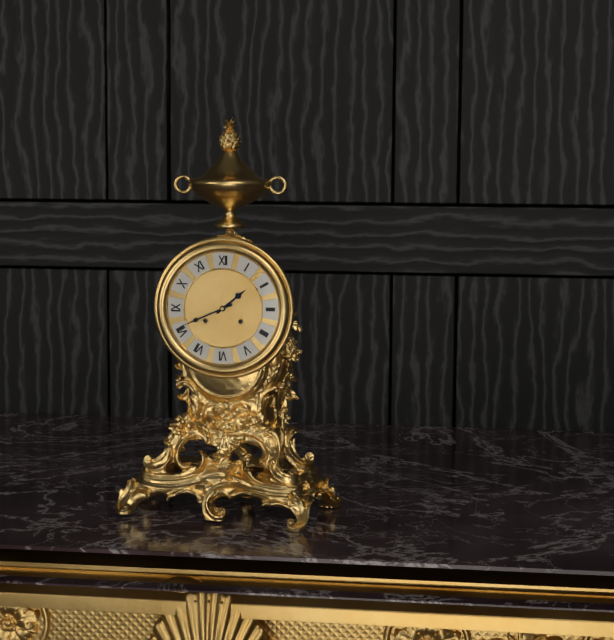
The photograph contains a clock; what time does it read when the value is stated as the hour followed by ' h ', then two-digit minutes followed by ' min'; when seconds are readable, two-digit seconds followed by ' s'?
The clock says 1 h 41 min
